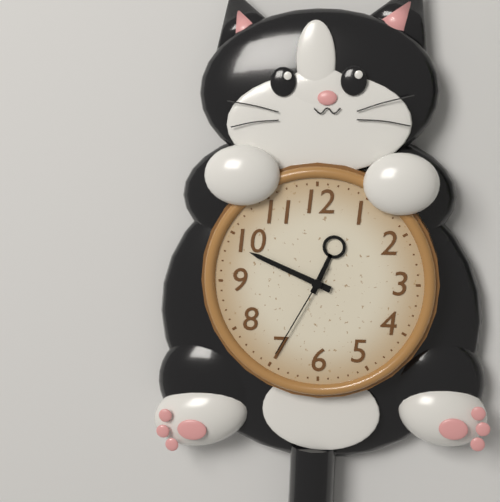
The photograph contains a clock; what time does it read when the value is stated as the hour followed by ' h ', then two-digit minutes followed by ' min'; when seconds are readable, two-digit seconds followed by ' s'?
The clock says 12 h 49 min 35 s
